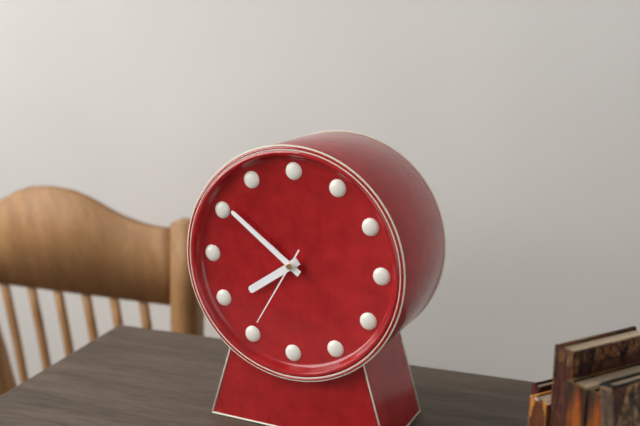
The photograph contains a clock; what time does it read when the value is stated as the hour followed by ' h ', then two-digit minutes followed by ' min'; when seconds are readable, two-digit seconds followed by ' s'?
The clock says 7 h 51 min 35 s
